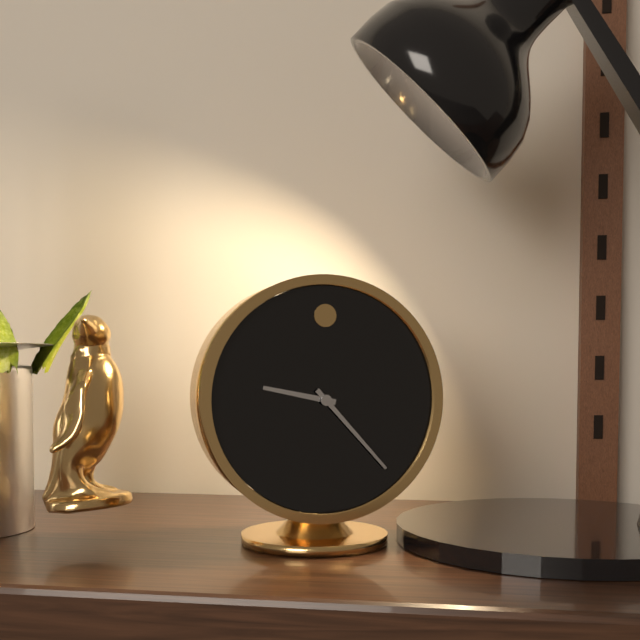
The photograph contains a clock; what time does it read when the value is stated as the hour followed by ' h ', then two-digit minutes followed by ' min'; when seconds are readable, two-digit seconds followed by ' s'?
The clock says 9 h 23 min
